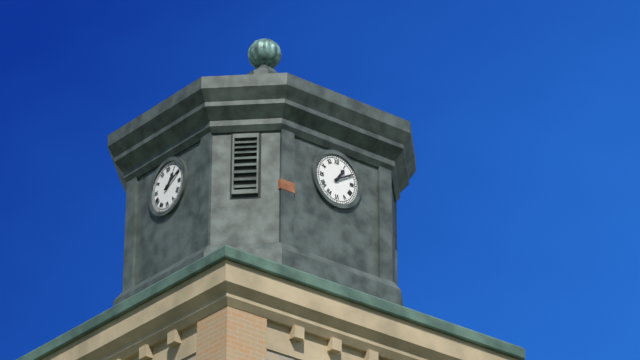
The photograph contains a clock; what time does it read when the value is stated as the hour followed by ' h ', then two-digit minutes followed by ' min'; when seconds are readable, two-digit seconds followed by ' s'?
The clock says 1 h 10 min
